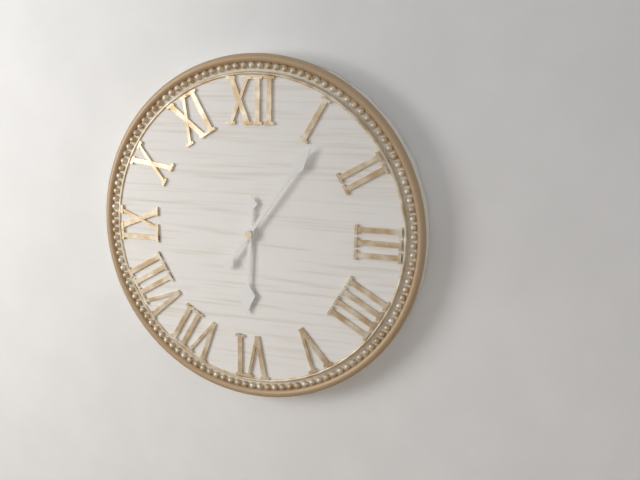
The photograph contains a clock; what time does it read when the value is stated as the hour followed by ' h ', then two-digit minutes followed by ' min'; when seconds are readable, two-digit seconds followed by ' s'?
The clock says 6 h 06 min
